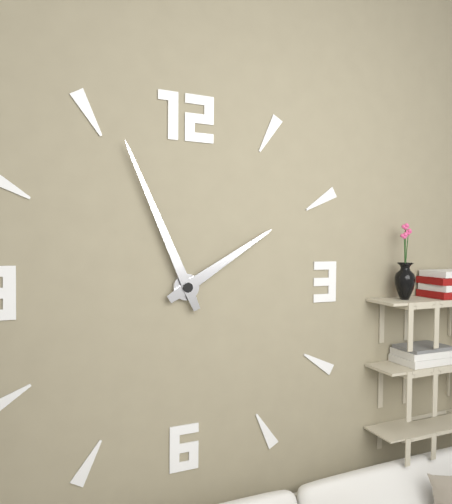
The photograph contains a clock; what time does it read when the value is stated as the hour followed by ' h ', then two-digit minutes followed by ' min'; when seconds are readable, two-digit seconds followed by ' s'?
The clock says 1 h 56 min
